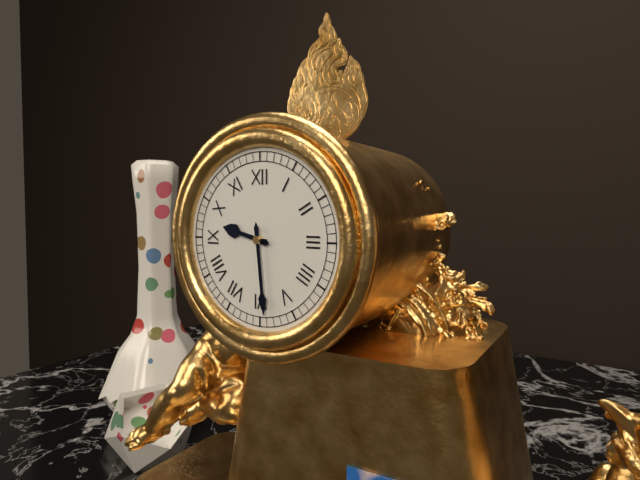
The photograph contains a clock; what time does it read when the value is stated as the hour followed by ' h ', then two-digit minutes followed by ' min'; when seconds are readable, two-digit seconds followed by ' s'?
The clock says 9 h 29 min
